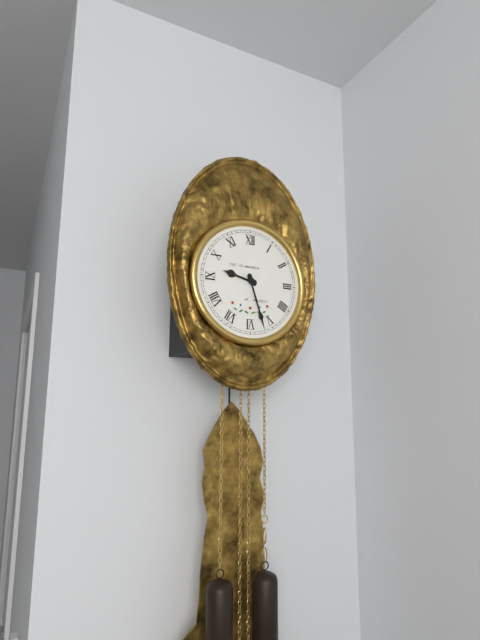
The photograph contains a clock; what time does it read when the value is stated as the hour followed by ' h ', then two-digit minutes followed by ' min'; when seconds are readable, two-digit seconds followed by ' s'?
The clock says 9 h 27 min
